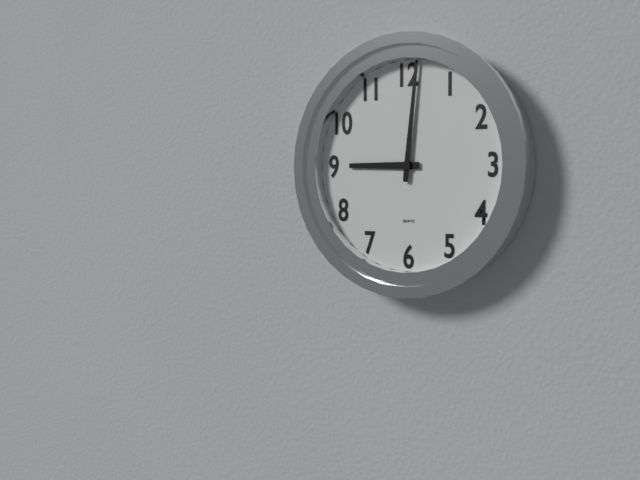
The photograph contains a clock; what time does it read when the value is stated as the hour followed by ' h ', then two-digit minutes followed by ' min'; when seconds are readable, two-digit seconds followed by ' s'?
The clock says 9 h 01 min
